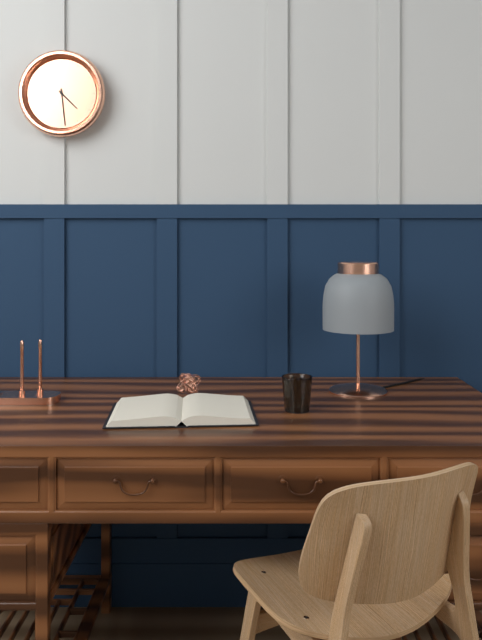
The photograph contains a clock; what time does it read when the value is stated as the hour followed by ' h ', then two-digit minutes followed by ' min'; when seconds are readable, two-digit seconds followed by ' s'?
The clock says 4 h 29 min
